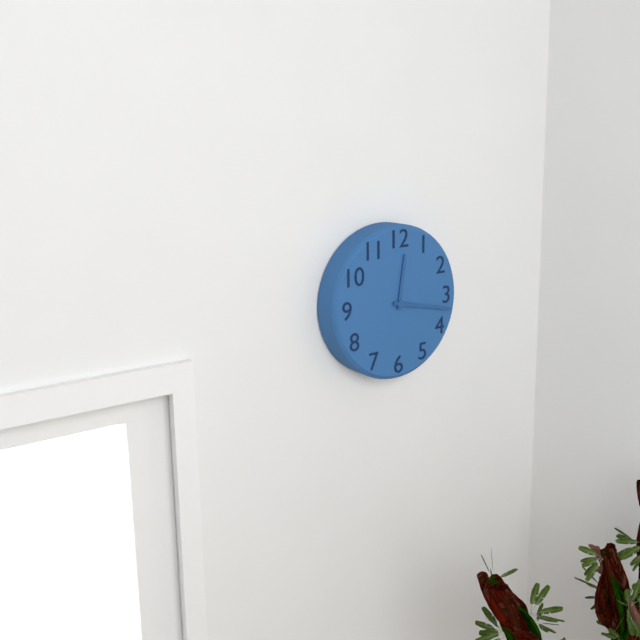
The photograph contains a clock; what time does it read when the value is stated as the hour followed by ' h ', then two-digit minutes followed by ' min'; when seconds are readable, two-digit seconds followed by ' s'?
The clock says 12 h 17 min
